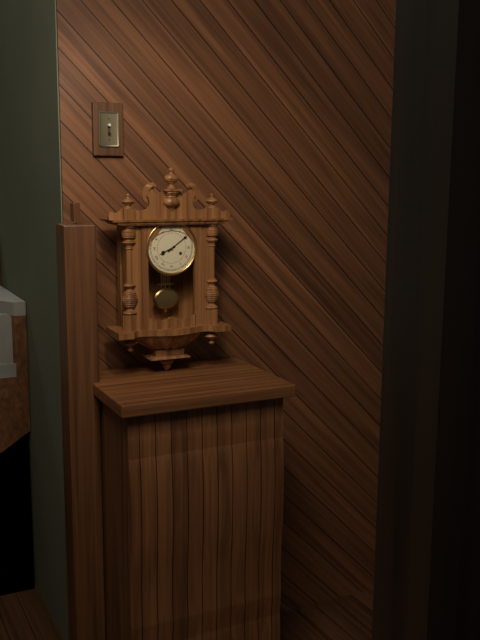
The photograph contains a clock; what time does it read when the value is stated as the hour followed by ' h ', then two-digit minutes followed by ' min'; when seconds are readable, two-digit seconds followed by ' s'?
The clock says 8 h 09 min
